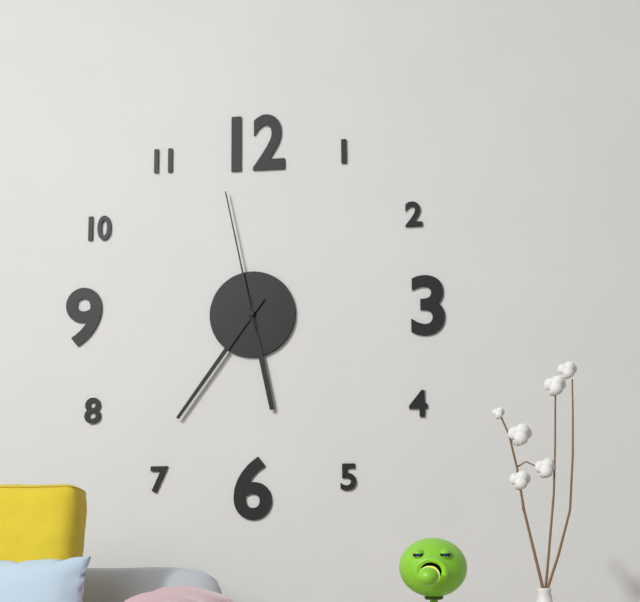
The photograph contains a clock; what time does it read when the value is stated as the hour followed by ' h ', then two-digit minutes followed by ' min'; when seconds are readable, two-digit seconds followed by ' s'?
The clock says 5 h 36 min 58 s
